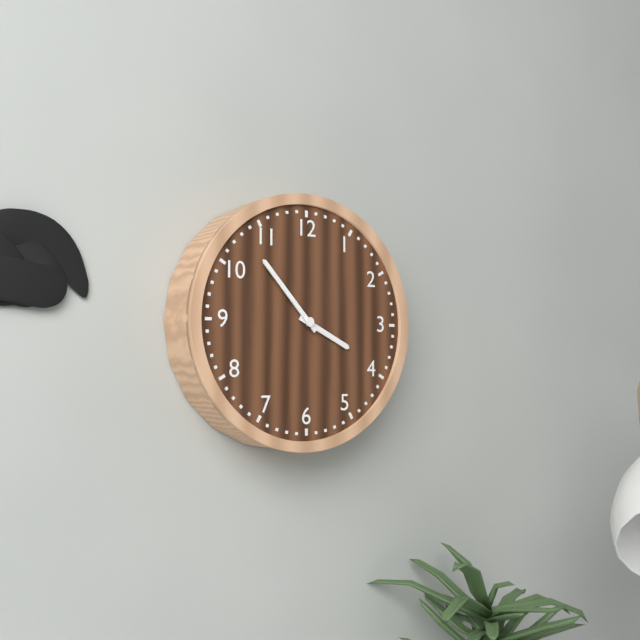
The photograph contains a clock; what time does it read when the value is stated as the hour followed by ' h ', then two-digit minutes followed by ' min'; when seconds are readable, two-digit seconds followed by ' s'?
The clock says 3 h 53 min
